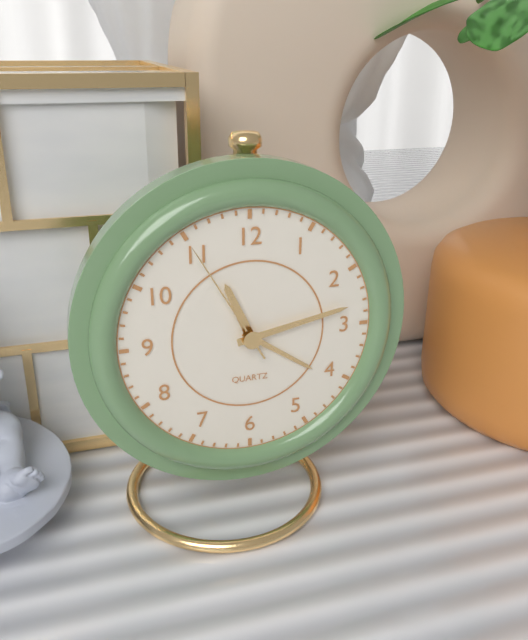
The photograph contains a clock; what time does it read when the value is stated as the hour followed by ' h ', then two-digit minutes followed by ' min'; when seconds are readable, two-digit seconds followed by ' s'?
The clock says 11 h 13 min 55 s
